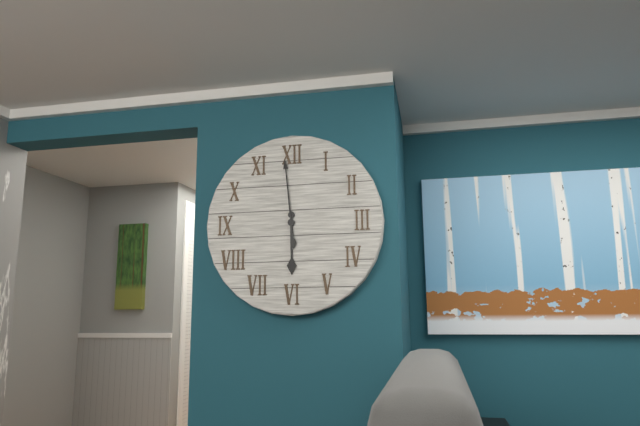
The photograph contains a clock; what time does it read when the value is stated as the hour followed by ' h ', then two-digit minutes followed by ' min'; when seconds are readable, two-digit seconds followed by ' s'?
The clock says 5 h 59 min
